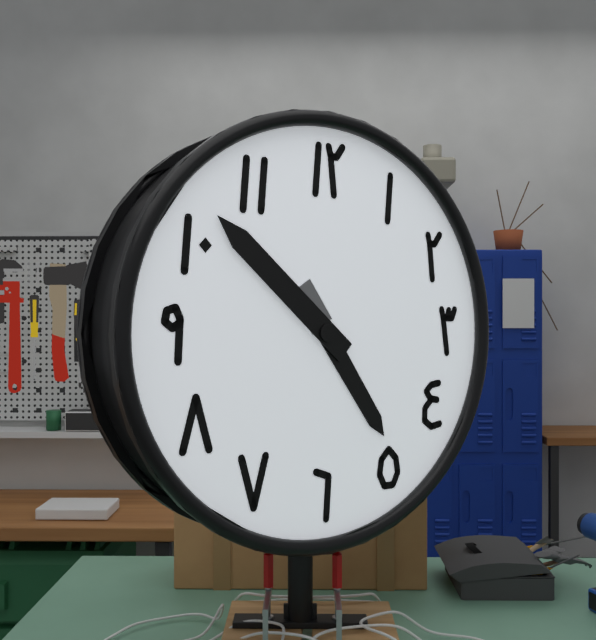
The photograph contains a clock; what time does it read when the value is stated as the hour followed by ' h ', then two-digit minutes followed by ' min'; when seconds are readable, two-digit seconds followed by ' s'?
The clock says 4 h 52 min
